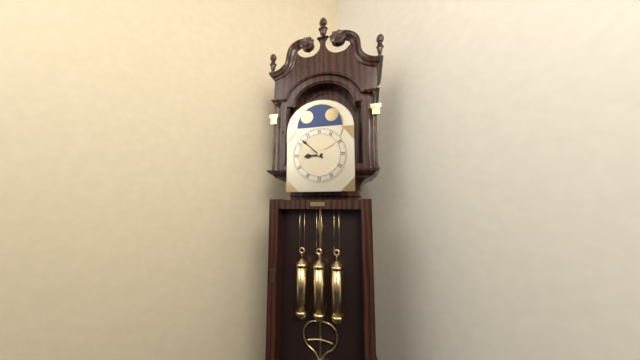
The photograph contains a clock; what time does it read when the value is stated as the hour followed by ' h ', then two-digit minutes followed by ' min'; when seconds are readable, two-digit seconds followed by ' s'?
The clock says 8 h 52 min
